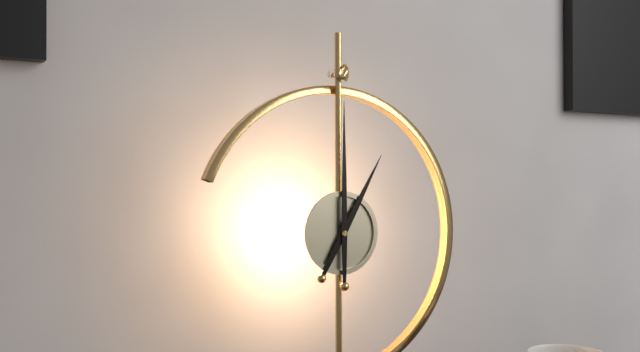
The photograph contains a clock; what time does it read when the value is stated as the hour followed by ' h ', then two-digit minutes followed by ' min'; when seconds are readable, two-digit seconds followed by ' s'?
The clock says 1 h 00 min
